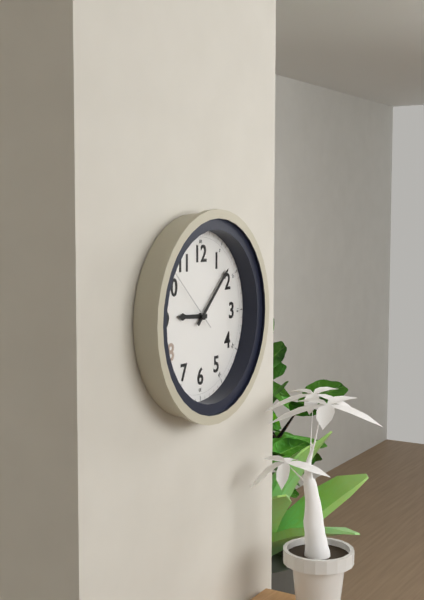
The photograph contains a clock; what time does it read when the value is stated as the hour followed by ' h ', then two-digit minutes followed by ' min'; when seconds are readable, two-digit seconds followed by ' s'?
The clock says 9 h 08 min 52 s
